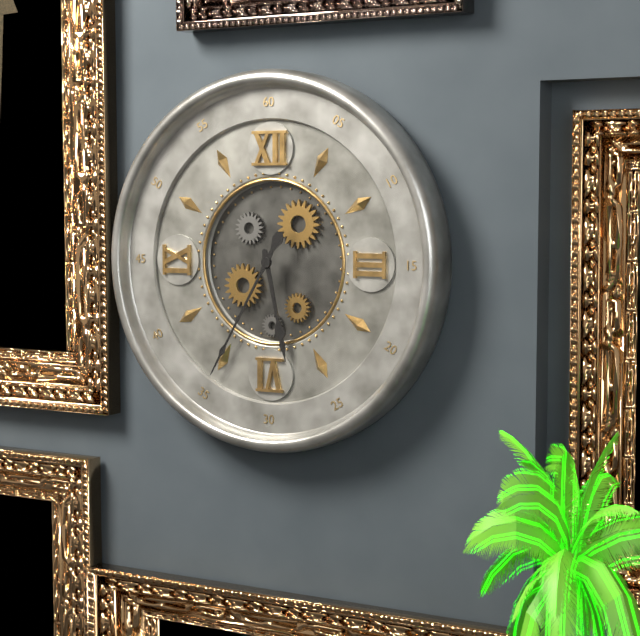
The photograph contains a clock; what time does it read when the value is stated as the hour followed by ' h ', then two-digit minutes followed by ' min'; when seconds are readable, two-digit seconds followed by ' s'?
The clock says 5 h 35 min
